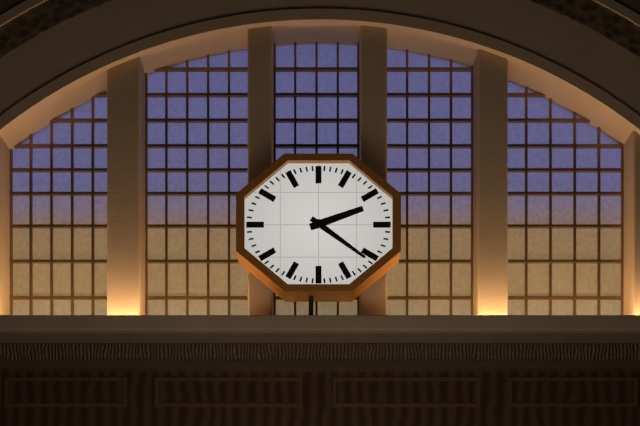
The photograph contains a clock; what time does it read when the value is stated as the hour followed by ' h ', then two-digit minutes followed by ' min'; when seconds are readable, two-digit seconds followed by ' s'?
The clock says 2 h 21 min
